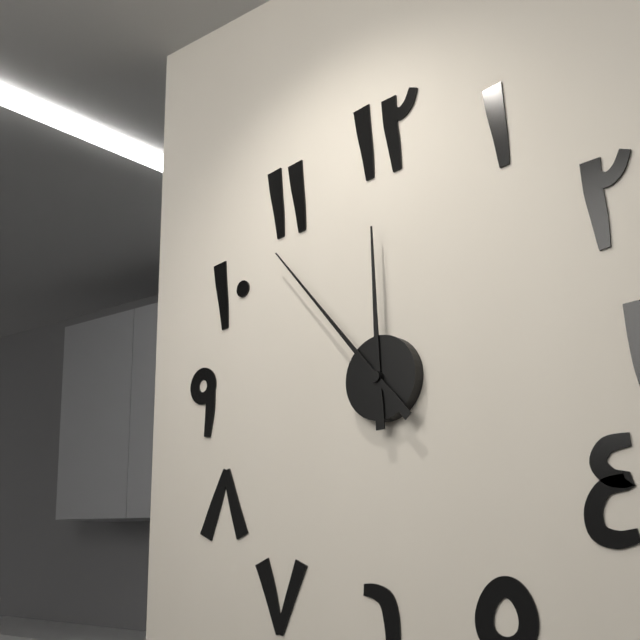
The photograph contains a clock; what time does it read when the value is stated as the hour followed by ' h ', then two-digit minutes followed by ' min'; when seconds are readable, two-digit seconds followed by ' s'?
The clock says 11 h 53 min
